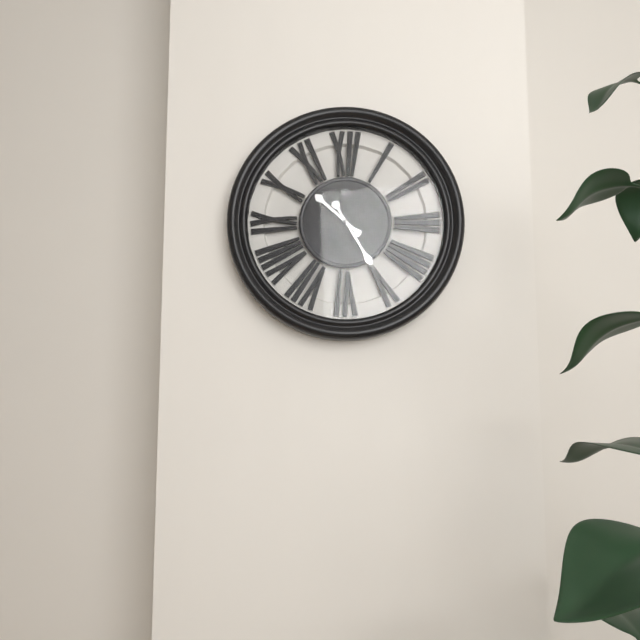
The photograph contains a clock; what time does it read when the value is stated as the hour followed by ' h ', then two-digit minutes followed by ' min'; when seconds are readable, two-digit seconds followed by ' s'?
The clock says 10 h 25 min
